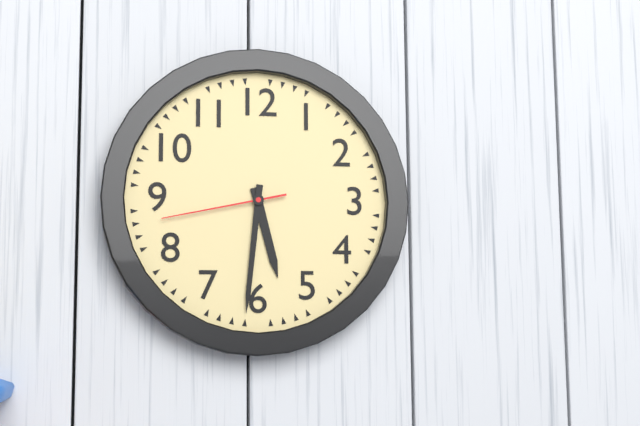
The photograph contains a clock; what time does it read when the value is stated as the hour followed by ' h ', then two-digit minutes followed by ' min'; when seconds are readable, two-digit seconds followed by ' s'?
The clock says 5 h 31 min 43 s
